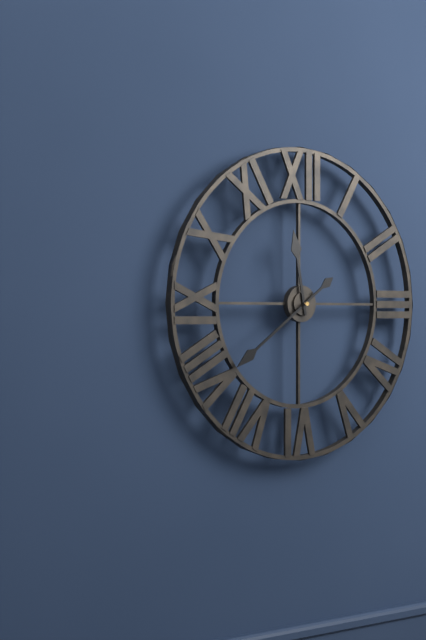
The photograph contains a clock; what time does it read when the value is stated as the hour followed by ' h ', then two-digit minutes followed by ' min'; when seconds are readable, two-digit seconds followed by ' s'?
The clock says 11 h 39 min
